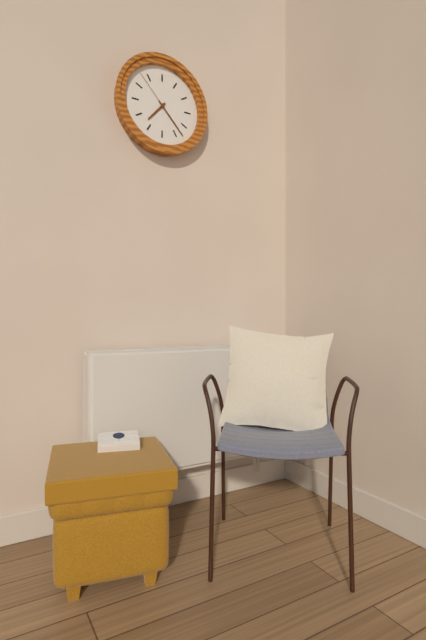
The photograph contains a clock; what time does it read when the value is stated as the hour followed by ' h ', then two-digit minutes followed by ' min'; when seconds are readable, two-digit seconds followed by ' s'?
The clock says 7 h 23 min 53 s
